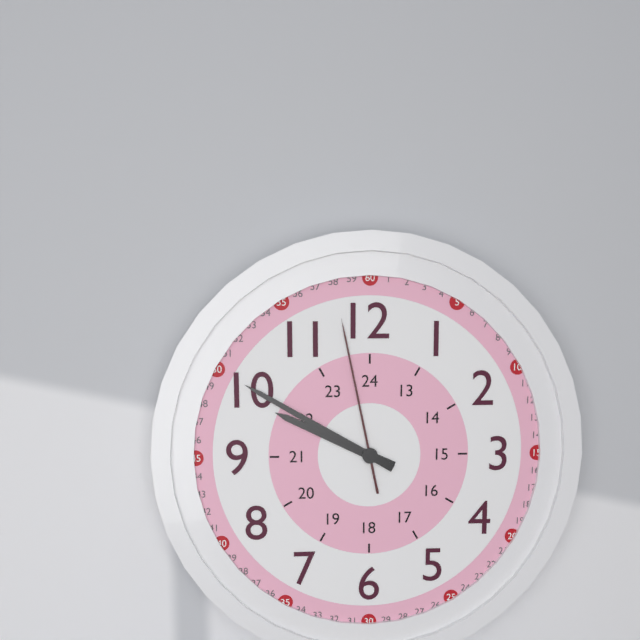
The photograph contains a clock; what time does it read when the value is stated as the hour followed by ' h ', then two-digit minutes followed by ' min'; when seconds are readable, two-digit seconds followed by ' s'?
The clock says 9 h 50 min 58 s
